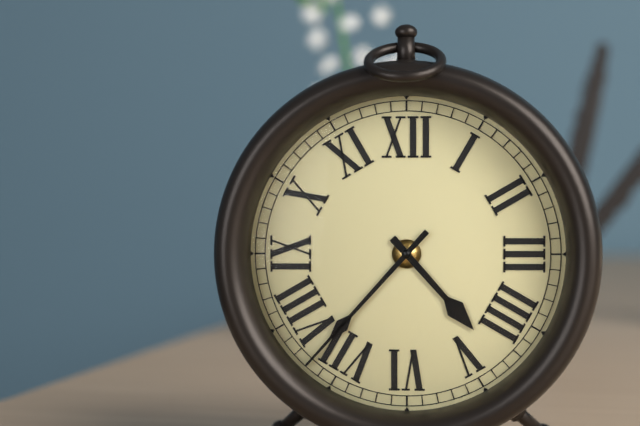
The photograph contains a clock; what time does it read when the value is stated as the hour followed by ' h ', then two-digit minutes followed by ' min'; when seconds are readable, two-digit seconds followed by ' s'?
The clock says 4 h 37 min
